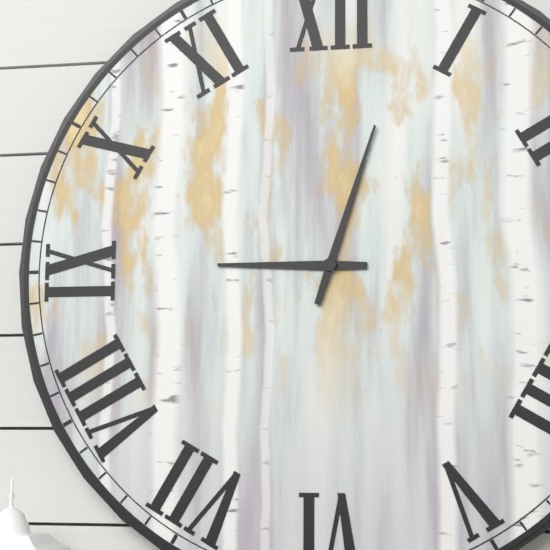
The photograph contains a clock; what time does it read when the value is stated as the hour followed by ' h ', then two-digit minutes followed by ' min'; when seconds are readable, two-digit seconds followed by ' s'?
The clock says 9 h 03 min
